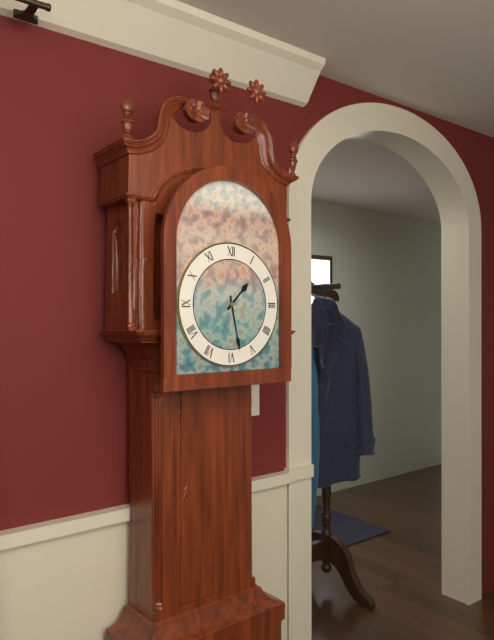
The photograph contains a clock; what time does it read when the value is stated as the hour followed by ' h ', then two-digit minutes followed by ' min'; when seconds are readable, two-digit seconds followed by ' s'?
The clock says 1 h 28 min
